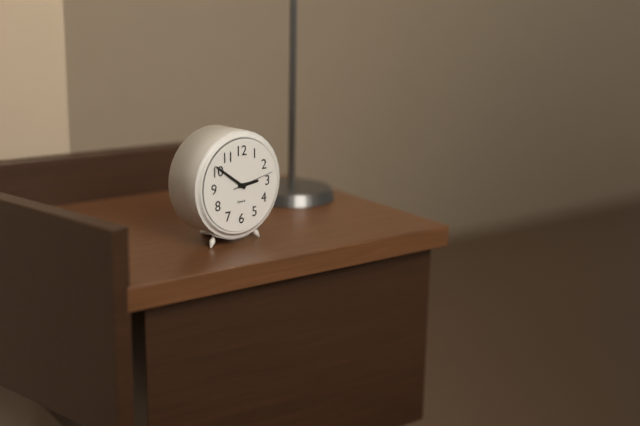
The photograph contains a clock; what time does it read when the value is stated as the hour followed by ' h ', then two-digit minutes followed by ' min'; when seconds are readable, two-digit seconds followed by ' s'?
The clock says 2 h 51 min
